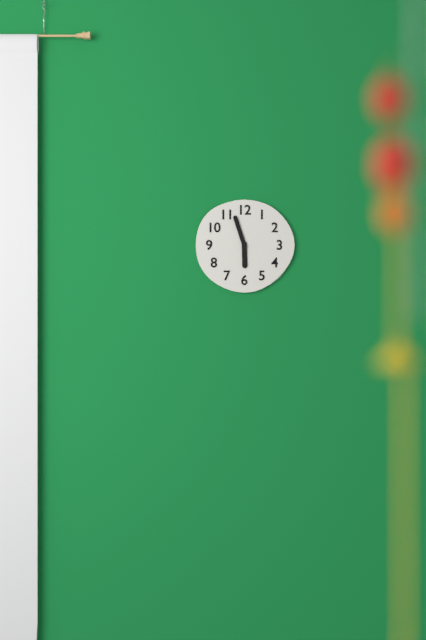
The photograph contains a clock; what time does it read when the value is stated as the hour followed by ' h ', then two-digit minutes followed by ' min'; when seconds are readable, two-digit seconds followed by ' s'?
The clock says 5 h 57 min
